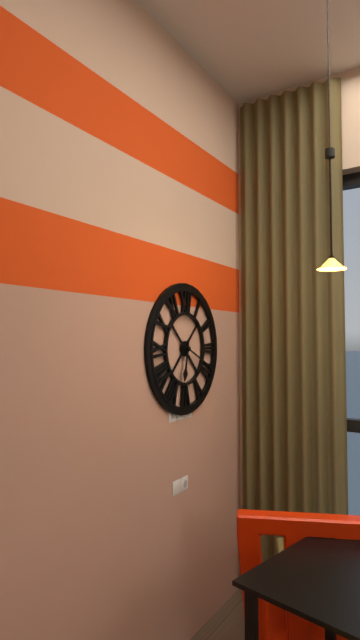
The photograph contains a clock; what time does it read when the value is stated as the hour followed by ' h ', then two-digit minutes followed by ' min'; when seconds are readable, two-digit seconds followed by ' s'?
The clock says 6 h 19 min
